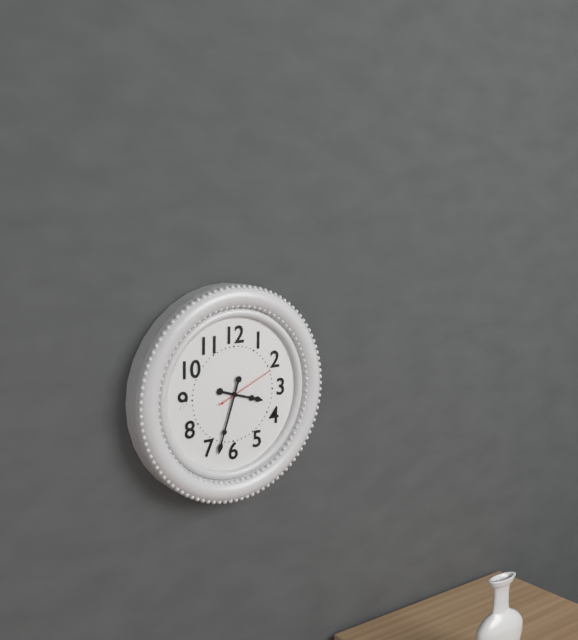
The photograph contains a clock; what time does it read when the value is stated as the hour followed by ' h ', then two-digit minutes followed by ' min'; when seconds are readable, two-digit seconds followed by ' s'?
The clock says 3 h 33 min 11 s
